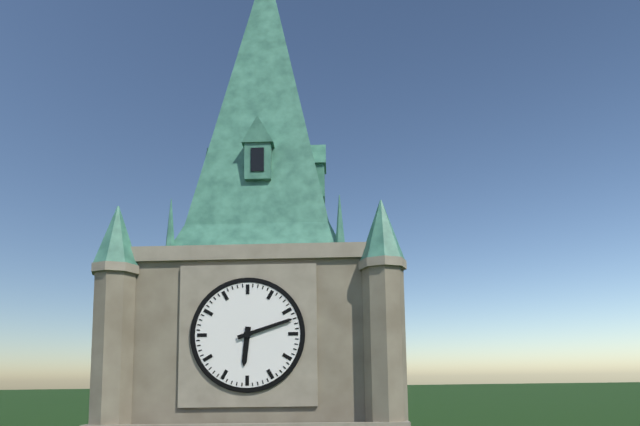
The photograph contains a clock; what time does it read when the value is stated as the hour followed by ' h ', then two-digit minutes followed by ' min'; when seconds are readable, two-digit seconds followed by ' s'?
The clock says 6 h 12 min
